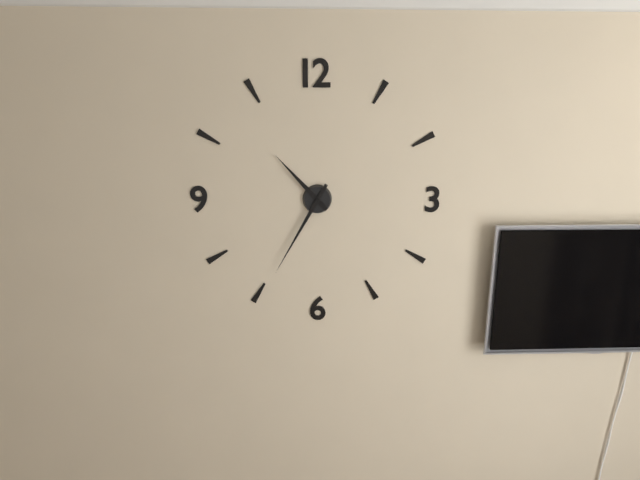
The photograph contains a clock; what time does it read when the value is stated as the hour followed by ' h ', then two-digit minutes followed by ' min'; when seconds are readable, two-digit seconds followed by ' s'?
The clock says 10 h 35 min
